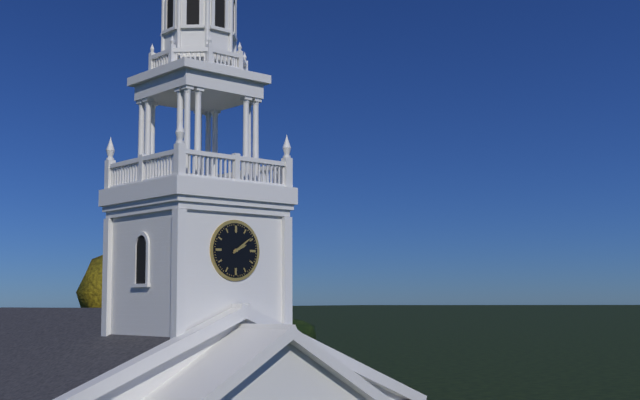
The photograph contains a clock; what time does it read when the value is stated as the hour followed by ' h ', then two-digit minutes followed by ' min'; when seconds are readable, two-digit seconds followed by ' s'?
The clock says 2 h 09 min
